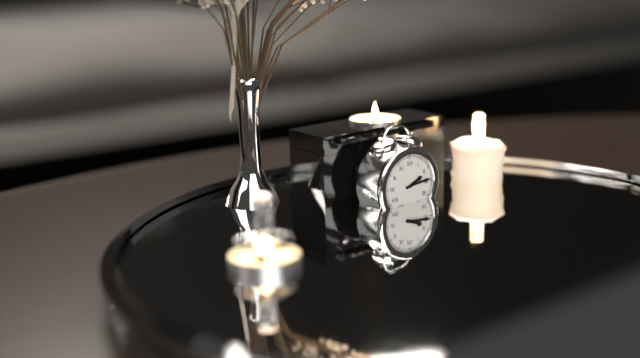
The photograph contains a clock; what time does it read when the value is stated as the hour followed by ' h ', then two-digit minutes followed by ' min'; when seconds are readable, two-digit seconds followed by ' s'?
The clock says 2 h 14 min
